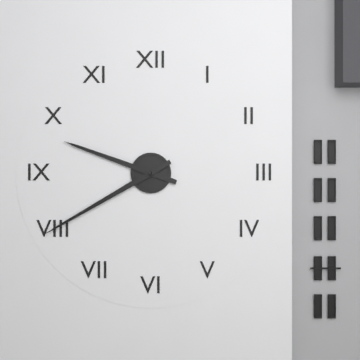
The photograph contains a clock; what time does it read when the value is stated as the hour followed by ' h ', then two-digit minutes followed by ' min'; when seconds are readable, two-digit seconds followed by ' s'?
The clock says 9 h 40 min
